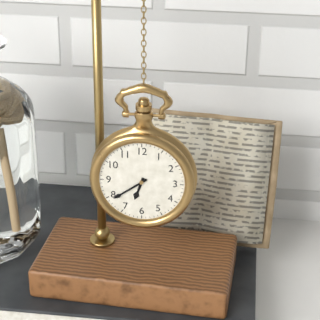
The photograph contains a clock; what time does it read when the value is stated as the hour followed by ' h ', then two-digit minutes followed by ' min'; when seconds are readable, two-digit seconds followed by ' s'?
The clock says 6 h 39 min
